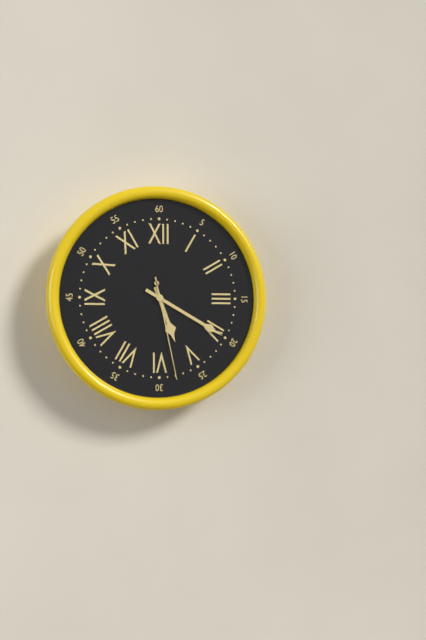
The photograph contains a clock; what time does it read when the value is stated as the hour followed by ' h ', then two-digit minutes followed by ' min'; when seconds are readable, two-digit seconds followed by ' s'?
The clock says 5 h 20 min 28 s
